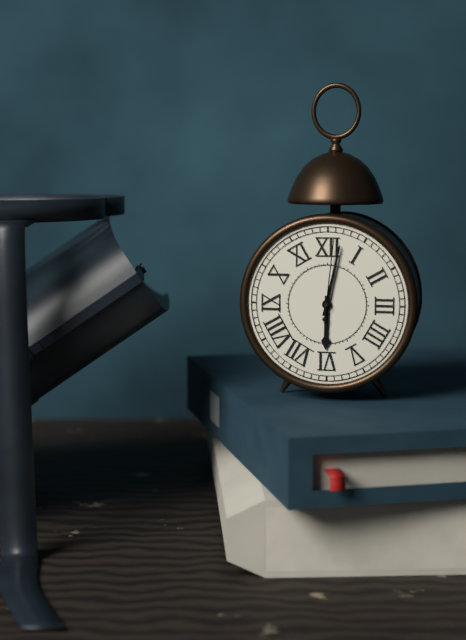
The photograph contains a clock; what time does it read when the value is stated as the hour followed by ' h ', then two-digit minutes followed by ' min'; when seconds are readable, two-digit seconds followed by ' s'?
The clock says 6 h 02 min 01 s
